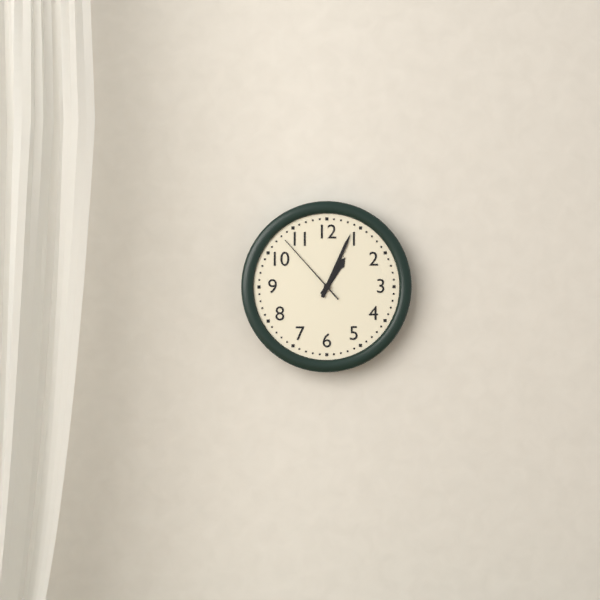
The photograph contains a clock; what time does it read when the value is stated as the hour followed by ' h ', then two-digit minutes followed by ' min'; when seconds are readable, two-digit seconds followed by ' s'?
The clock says 1 h 04 min 53 s
